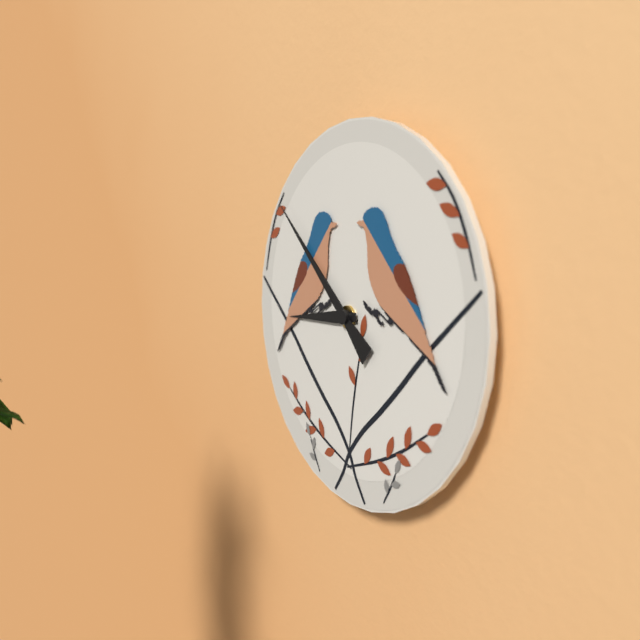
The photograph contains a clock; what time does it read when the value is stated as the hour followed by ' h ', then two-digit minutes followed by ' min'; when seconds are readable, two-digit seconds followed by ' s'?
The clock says 8 h 52 min
